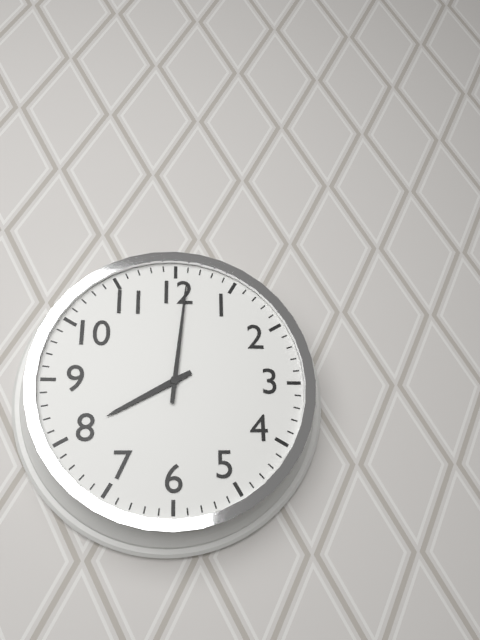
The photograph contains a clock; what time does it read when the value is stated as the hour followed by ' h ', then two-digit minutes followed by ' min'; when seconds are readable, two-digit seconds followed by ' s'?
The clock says 8 h 01 min
